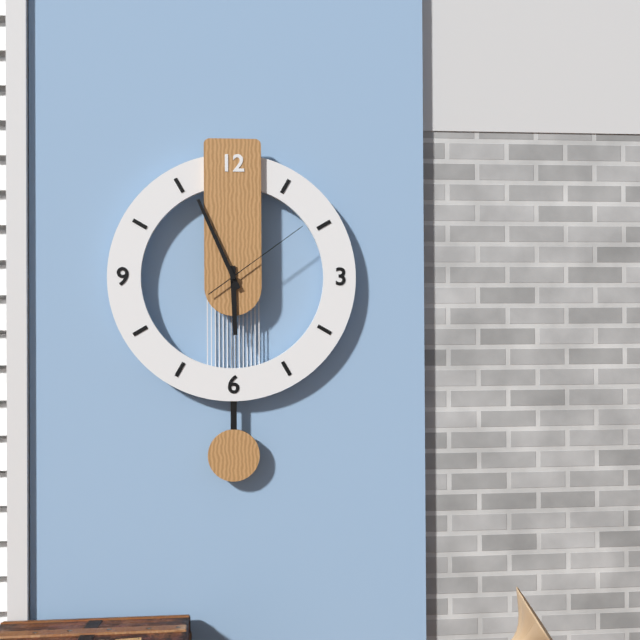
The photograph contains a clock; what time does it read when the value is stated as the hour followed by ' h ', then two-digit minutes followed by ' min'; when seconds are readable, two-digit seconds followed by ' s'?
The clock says 5 h 56 min 09 s
